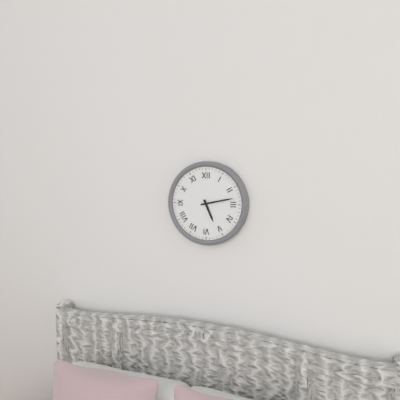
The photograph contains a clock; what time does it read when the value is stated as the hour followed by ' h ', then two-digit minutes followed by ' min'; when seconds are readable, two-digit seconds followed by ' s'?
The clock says 5 h 13 min
